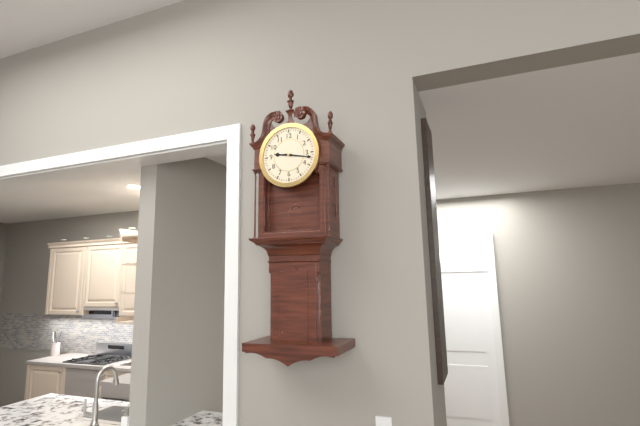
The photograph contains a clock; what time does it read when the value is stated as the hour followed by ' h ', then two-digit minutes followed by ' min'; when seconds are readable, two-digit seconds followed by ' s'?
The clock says 9 h 17 min
